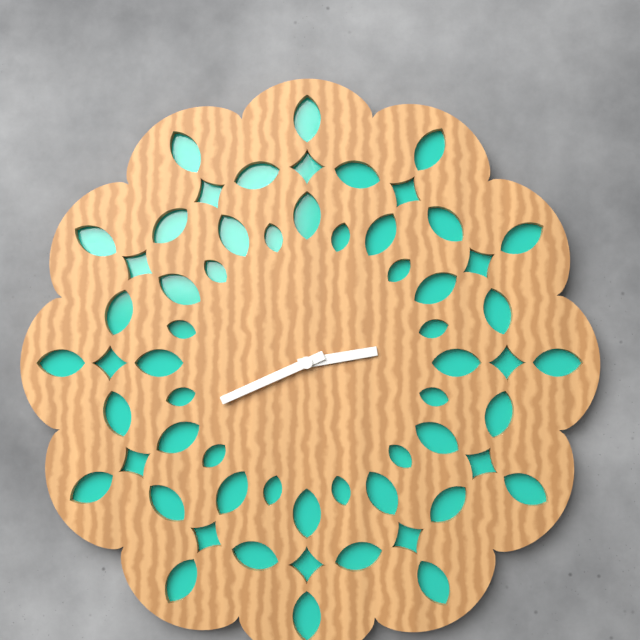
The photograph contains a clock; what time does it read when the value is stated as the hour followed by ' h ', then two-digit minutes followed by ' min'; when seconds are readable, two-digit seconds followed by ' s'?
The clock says 2 h 41 min
